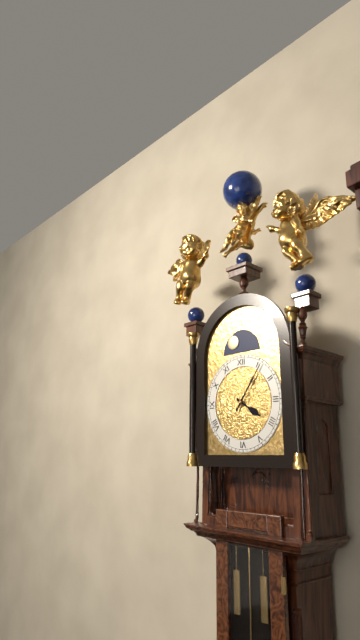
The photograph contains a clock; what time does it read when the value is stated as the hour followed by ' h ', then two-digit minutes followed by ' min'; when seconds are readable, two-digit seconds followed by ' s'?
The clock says 4 h 06 min
